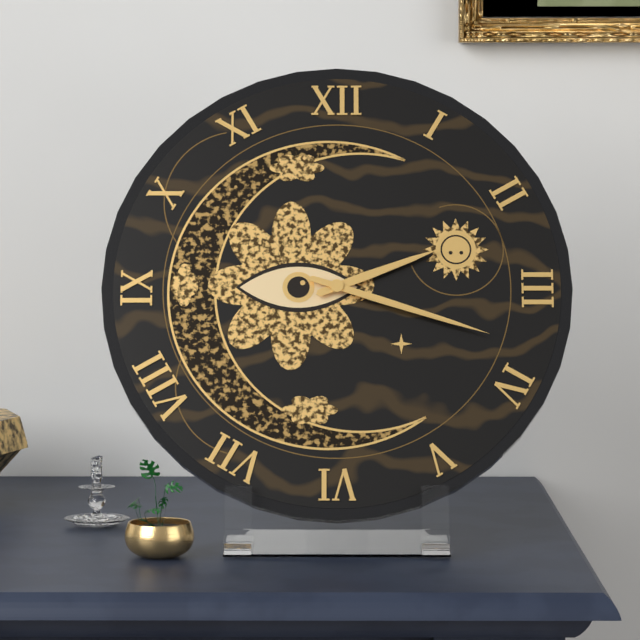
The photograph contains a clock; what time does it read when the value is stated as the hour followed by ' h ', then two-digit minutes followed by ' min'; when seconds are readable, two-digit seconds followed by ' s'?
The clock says 2 h 18 min
